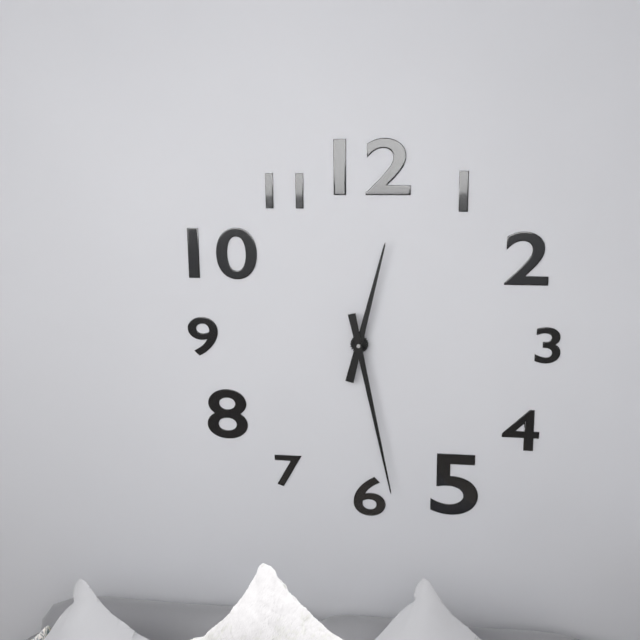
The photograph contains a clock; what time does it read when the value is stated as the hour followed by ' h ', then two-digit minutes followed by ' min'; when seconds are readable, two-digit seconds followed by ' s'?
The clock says 12 h 28 min
